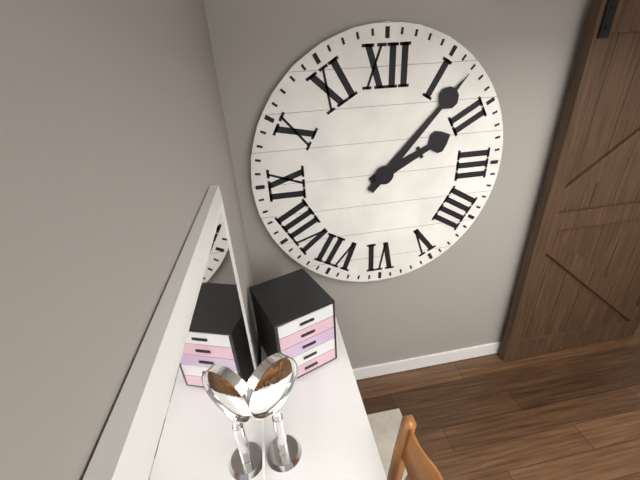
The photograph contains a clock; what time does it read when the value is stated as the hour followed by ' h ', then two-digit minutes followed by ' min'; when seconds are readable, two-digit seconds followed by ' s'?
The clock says 2 h 07 min
